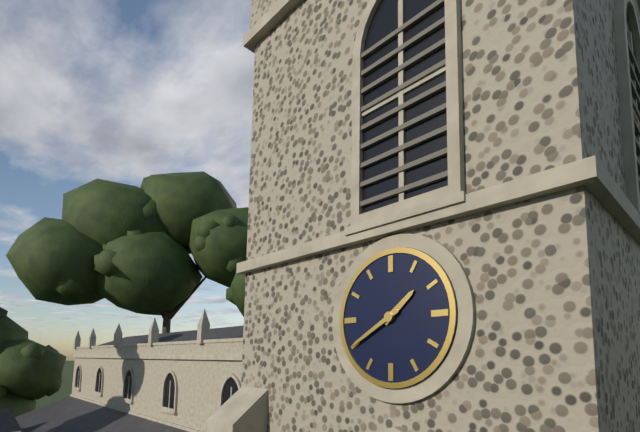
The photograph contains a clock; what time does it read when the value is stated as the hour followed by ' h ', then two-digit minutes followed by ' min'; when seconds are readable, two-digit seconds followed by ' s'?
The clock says 1 h 40 min
